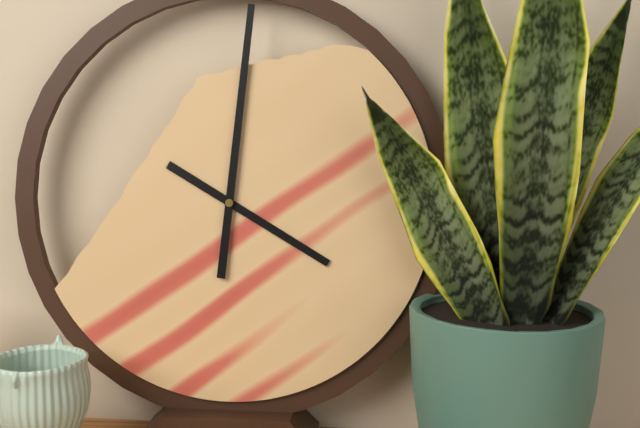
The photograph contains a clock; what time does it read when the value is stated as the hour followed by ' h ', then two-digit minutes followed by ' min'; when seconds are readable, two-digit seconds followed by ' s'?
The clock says 4 h 01 min
